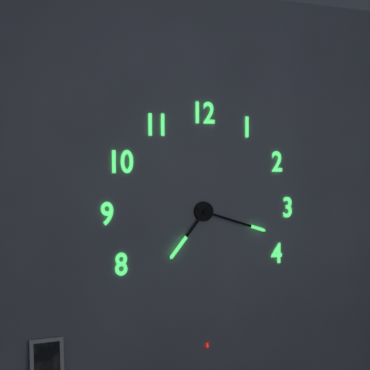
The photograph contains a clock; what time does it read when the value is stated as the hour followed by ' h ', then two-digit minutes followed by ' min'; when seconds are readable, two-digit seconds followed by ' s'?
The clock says 7 h 18 min
